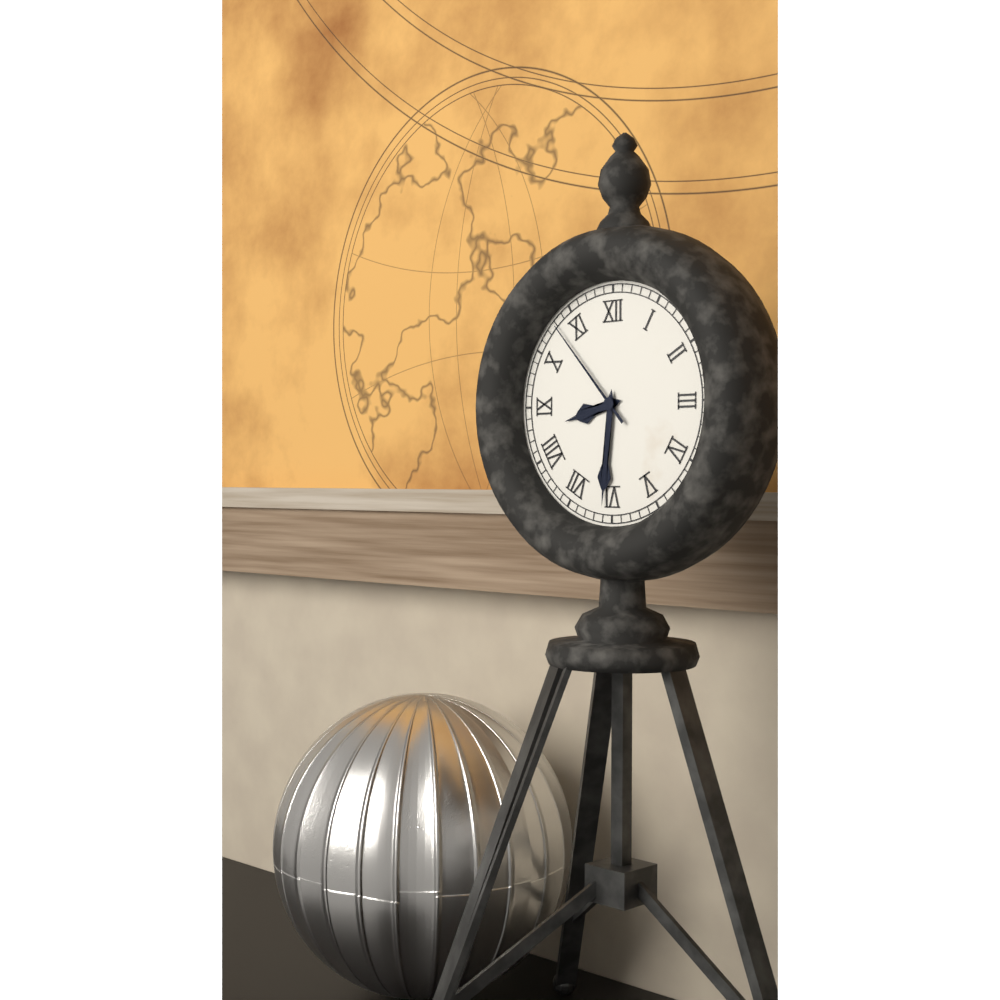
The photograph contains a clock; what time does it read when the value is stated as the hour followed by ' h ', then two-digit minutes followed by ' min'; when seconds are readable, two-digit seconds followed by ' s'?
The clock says 8 h 31 min 53 s
